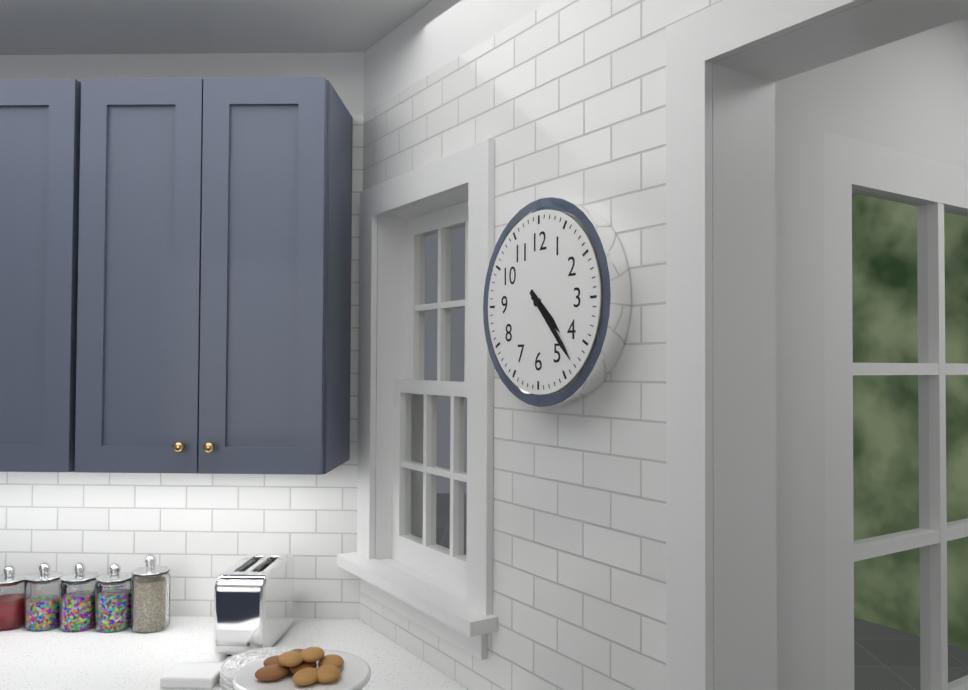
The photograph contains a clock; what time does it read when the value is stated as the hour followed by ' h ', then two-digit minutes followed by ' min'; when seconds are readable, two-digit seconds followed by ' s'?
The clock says 4 h 23 min
